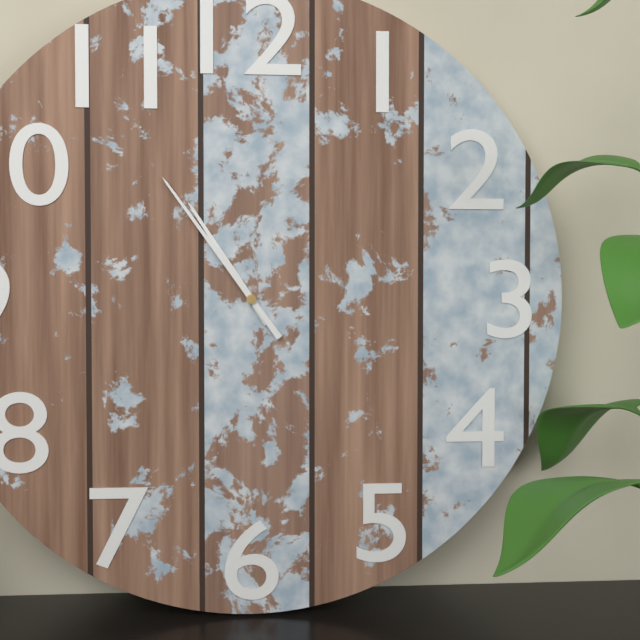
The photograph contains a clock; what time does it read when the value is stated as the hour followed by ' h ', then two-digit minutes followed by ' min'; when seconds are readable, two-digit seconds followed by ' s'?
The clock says 10 h 54 min
